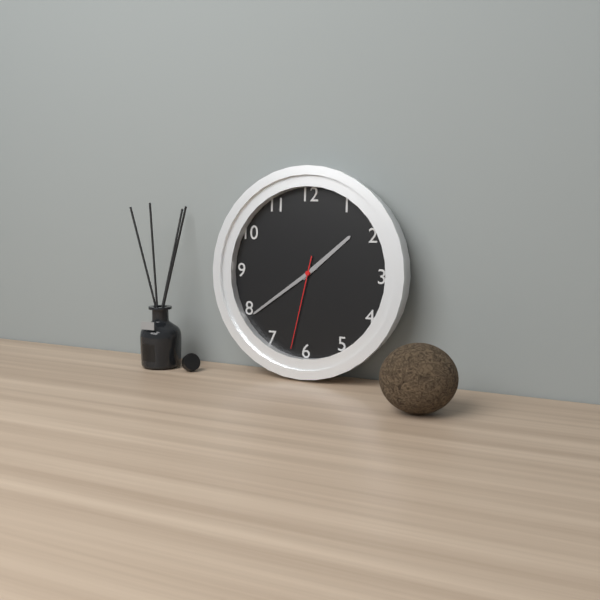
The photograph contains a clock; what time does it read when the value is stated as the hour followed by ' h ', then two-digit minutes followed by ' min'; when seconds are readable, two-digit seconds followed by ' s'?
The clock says 1 h 39 min 32 s
